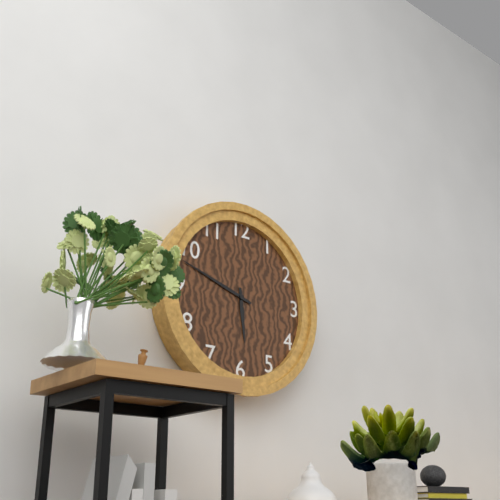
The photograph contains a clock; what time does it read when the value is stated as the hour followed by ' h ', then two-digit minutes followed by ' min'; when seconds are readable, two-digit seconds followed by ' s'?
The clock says 5 h 48 min
